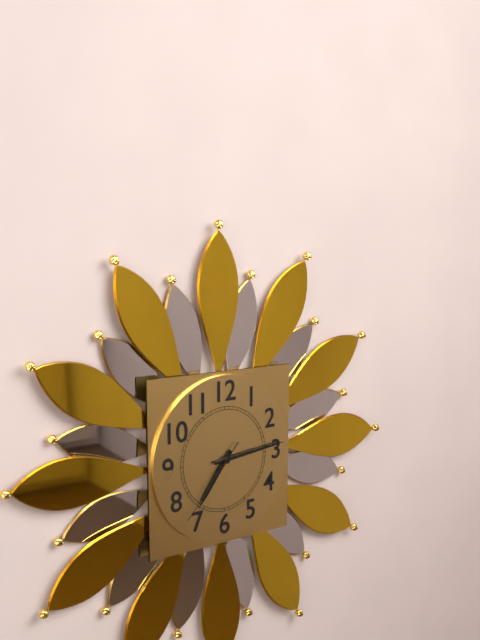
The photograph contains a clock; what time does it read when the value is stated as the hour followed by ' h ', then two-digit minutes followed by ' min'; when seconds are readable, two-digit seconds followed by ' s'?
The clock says 7 h 14 min 37 s
